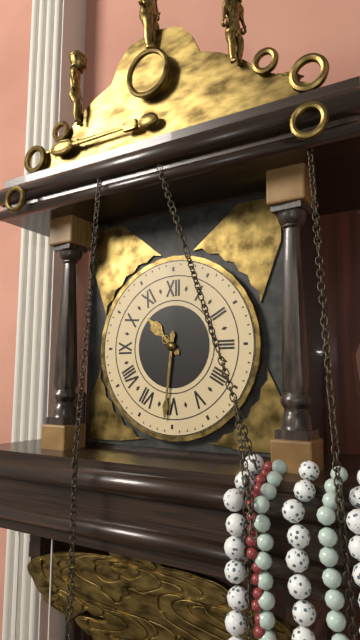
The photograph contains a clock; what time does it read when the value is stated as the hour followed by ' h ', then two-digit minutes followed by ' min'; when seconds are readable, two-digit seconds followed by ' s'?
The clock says 10 h 31 min
